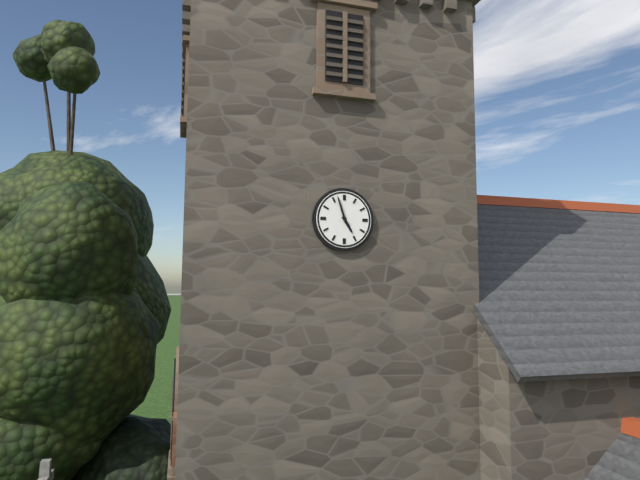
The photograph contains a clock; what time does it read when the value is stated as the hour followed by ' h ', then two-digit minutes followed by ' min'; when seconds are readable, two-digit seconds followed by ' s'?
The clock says 4 h 57 min
